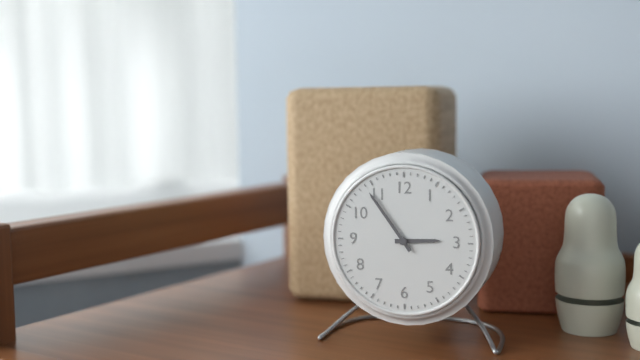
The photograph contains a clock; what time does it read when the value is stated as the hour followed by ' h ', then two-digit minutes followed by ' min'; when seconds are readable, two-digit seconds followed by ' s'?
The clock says 2 h 54 min
